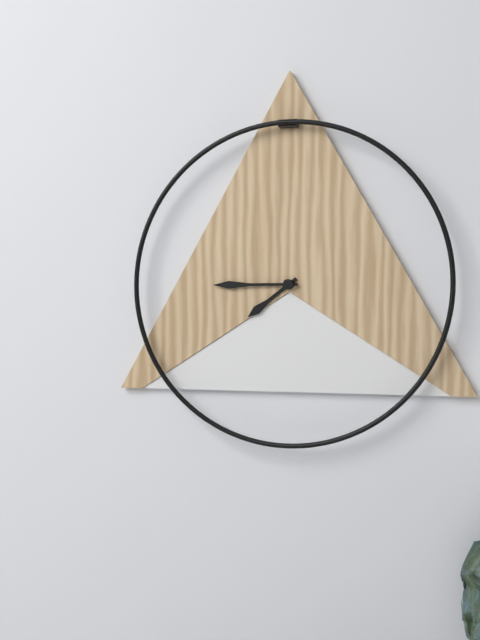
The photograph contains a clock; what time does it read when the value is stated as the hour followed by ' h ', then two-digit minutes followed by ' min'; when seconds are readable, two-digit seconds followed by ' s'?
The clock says 7 h 45 min
